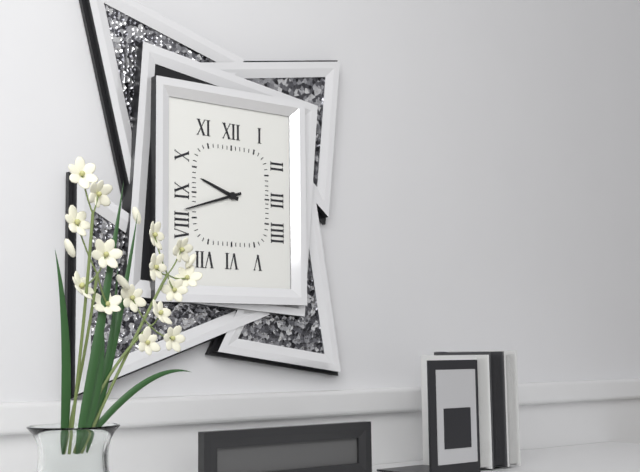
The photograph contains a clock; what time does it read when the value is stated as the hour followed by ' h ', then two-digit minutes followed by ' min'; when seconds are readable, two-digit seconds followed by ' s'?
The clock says 9 h 42 min
